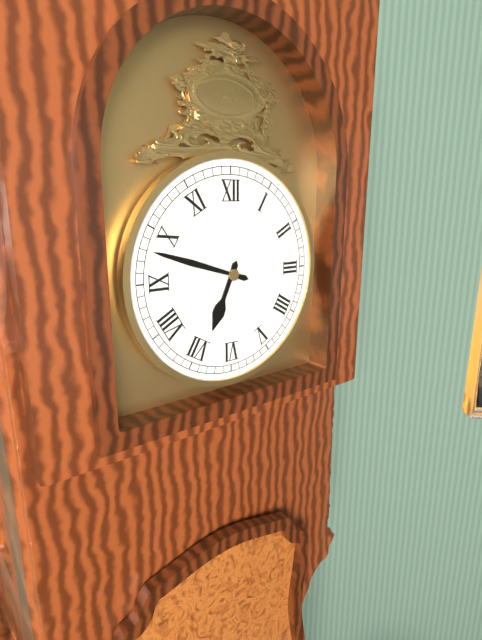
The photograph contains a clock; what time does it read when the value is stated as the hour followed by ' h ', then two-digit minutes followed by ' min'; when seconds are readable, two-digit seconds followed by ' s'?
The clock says 6 h 48 min
